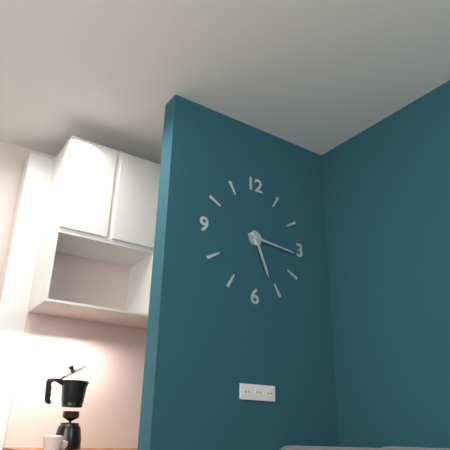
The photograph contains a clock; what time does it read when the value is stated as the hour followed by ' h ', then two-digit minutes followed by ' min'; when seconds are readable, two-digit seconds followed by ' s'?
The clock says 5 h 16 min
